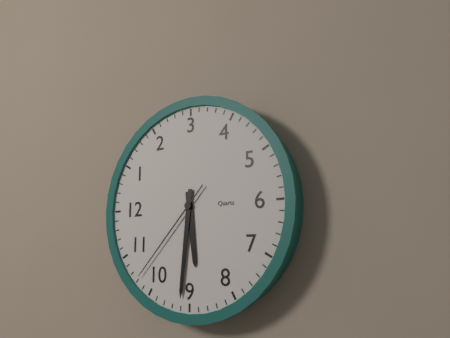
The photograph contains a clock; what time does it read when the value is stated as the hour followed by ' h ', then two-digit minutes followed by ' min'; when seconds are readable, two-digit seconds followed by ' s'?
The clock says 8 h 46 min 52 s
